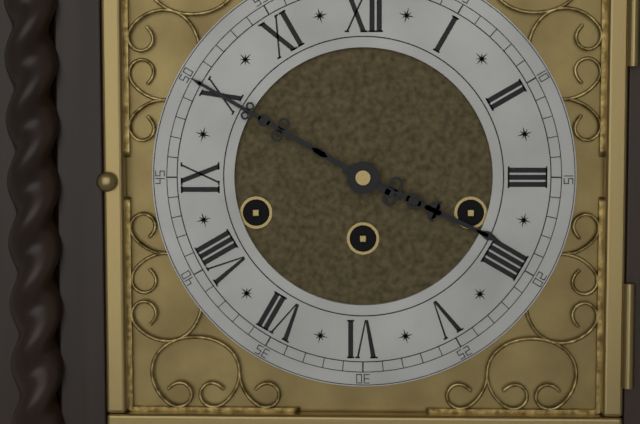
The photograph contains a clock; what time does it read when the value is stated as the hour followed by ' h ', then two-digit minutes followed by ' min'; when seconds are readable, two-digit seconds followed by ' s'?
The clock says 3 h 50 min
